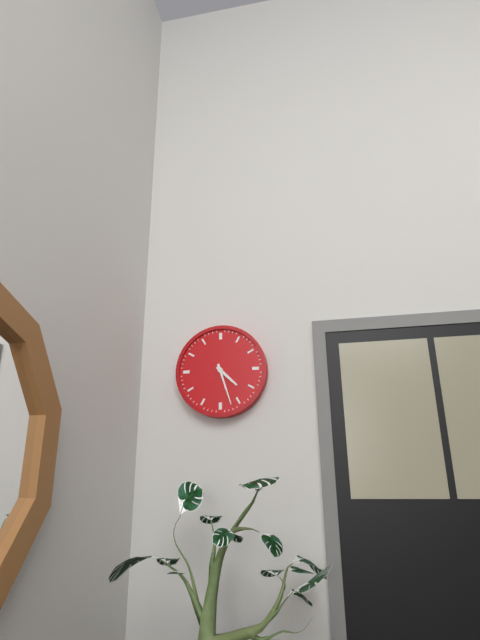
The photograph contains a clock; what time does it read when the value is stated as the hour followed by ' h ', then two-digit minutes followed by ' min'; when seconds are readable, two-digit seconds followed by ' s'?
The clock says 4 h 27 min
